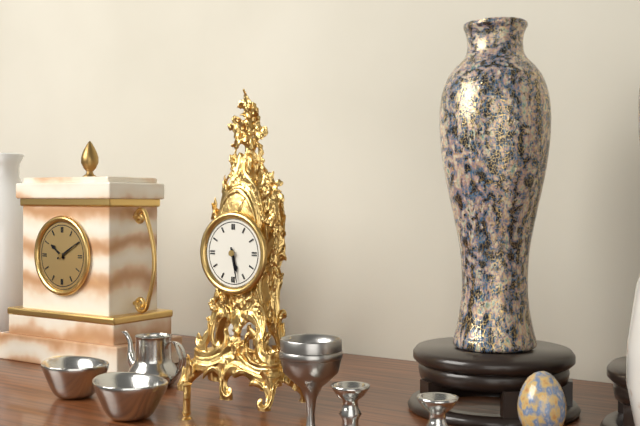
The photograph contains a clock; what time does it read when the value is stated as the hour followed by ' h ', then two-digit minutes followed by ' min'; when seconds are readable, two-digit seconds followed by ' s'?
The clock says 5 h 28 min
